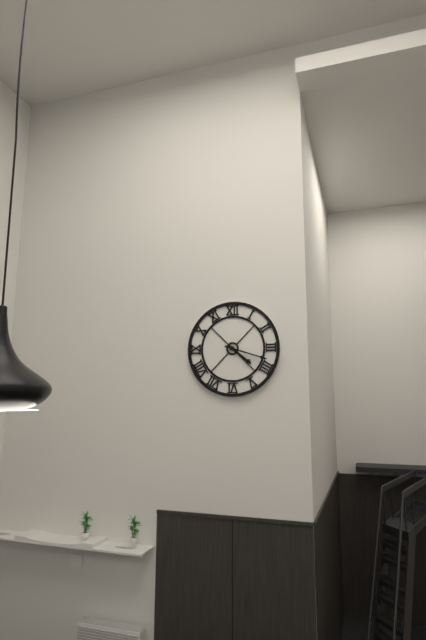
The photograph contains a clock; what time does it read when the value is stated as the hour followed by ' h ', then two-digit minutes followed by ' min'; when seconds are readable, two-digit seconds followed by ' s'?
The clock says 4 h 18 min
